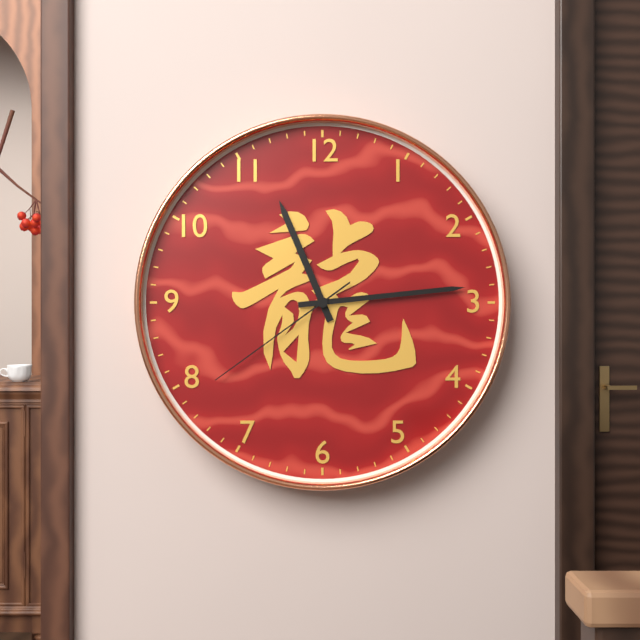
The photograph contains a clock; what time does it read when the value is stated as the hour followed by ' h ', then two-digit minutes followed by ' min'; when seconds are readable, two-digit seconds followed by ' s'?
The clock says 11 h 14 min 39 s
